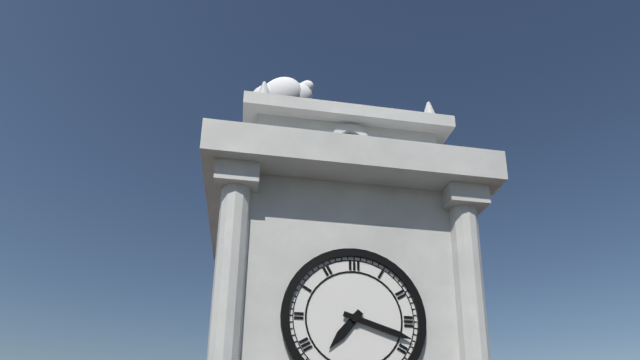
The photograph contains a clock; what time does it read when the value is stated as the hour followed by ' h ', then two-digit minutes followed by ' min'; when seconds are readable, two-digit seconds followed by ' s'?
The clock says 7 h 18 min
